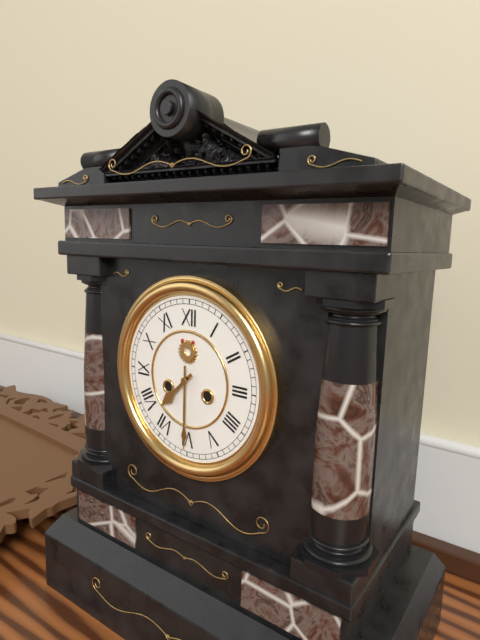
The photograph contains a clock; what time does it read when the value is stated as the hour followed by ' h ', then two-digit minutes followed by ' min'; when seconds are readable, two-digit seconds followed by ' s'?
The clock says 7 h 30 min
